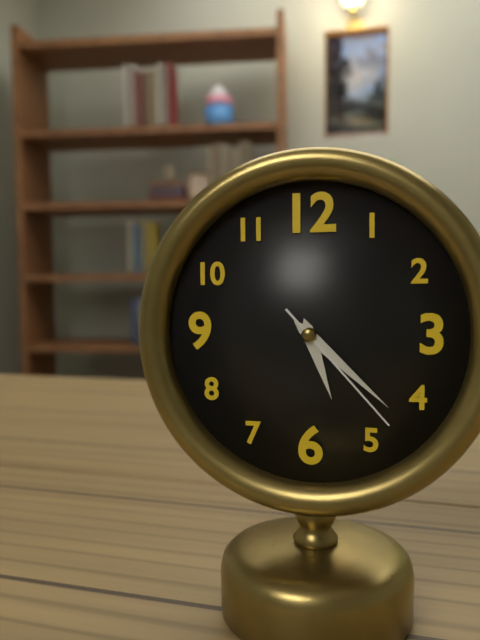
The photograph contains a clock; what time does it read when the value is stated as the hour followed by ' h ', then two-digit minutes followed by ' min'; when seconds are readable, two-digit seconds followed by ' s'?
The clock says 5 h 22 min 23 s
